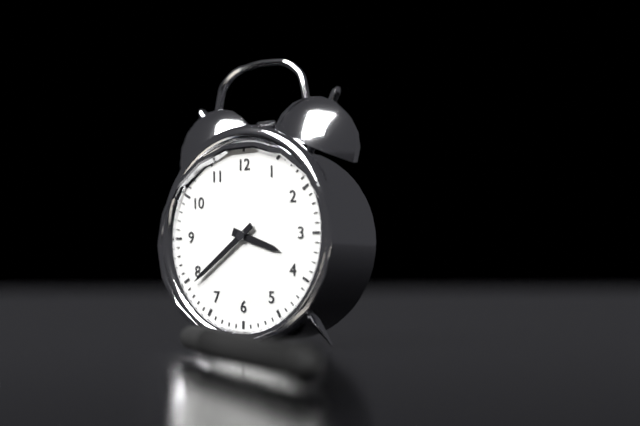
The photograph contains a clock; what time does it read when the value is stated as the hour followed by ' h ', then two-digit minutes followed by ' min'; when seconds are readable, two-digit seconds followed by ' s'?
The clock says 3 h 39 min
